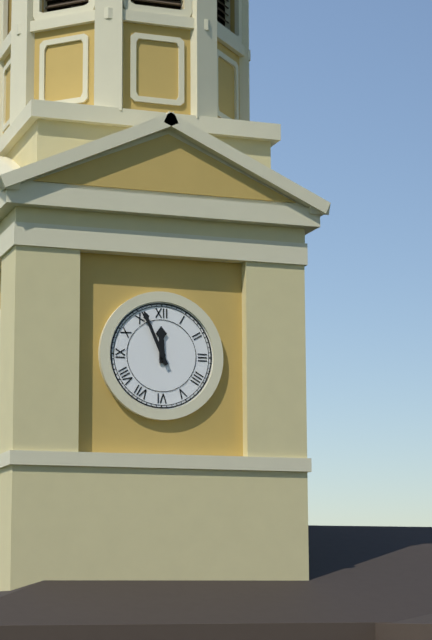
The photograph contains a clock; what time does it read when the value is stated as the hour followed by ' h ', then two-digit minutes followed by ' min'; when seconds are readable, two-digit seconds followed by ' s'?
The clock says 11 h 56 min
